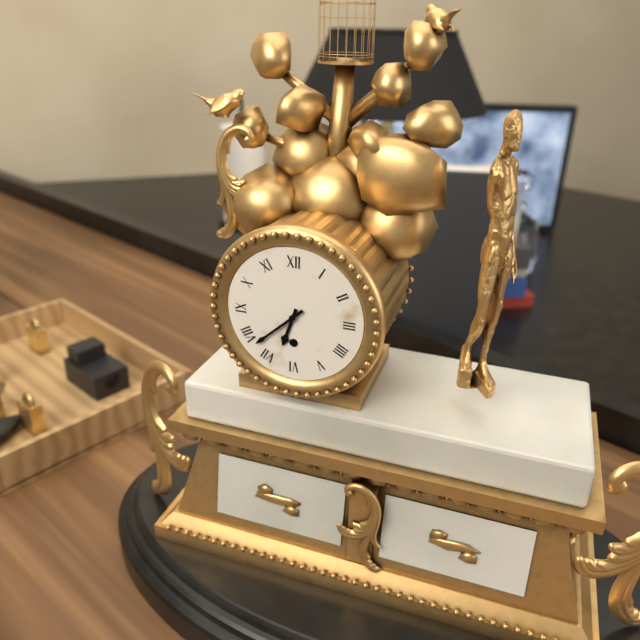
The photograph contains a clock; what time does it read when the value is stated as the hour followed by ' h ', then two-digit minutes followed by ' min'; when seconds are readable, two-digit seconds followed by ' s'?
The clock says 6 h 38 min
